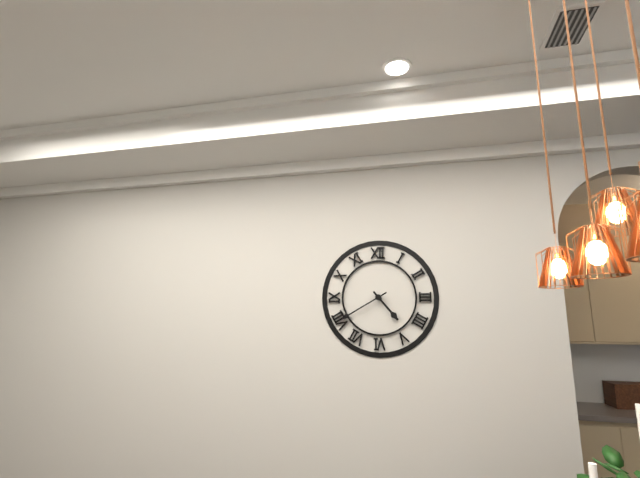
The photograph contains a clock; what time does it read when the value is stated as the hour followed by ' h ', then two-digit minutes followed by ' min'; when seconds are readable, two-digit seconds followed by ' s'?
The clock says 4 h 40 min
